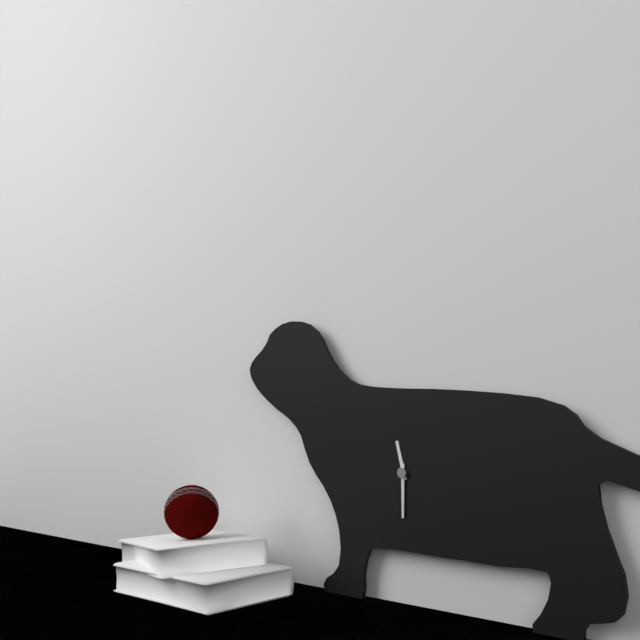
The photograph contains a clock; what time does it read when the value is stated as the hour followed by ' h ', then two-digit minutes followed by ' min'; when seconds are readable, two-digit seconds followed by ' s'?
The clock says 11 h 30 min
